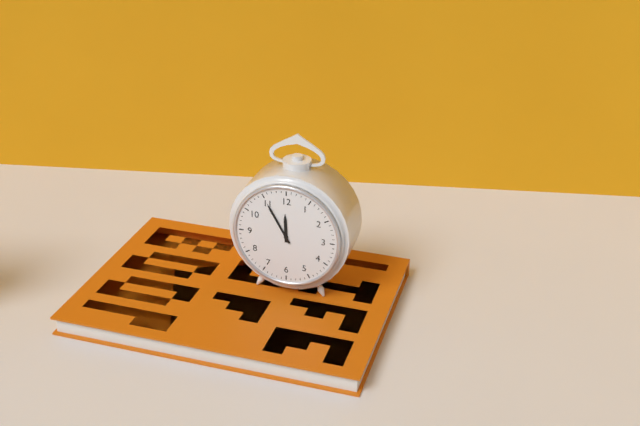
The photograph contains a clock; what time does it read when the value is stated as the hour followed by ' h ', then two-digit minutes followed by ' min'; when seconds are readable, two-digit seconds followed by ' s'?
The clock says 11 h 55 min
